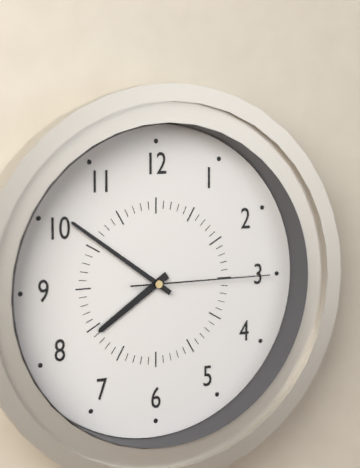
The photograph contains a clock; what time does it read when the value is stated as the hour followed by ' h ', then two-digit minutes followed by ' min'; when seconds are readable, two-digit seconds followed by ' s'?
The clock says 7 h 51 min 15 s
